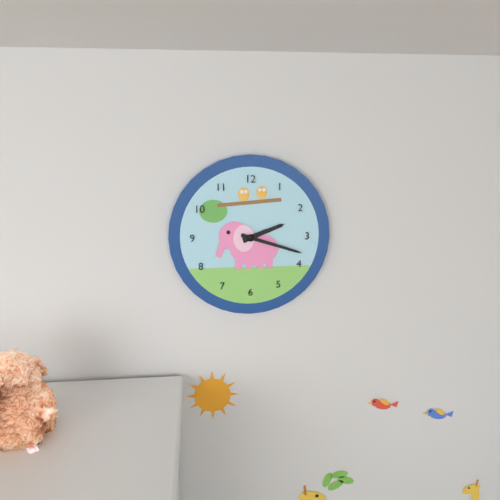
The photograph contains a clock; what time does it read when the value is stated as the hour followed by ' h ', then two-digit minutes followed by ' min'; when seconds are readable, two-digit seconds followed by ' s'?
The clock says 2 h 18 min
